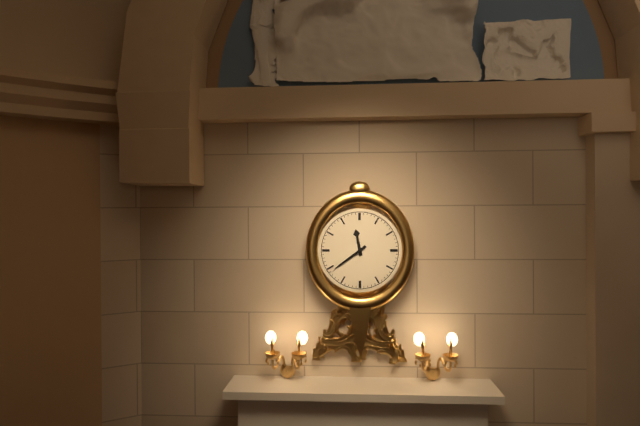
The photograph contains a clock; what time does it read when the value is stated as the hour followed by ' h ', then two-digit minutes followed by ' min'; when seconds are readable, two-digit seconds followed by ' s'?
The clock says 11 h 39 min
